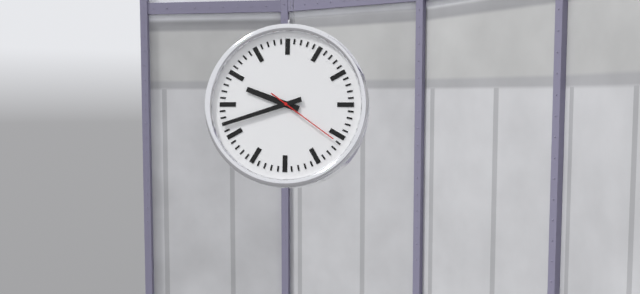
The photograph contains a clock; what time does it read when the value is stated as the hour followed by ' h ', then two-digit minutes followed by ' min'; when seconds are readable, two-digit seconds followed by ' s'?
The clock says 9 h 42 min 21 s
